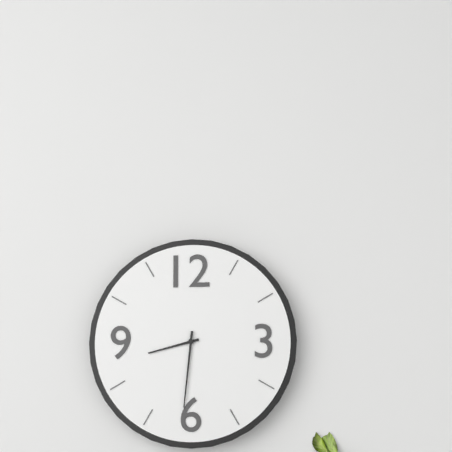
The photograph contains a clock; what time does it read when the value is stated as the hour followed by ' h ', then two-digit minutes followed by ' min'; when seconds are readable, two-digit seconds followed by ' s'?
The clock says 8 h 31 min
